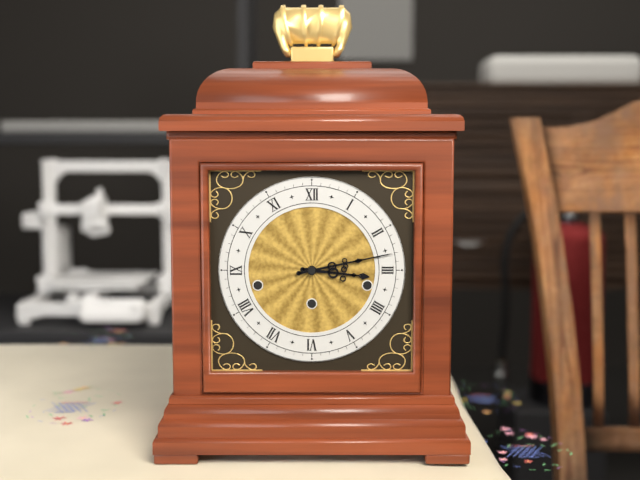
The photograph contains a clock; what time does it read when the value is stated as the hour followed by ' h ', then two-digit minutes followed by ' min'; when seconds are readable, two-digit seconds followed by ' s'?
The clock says 3 h 13 min
